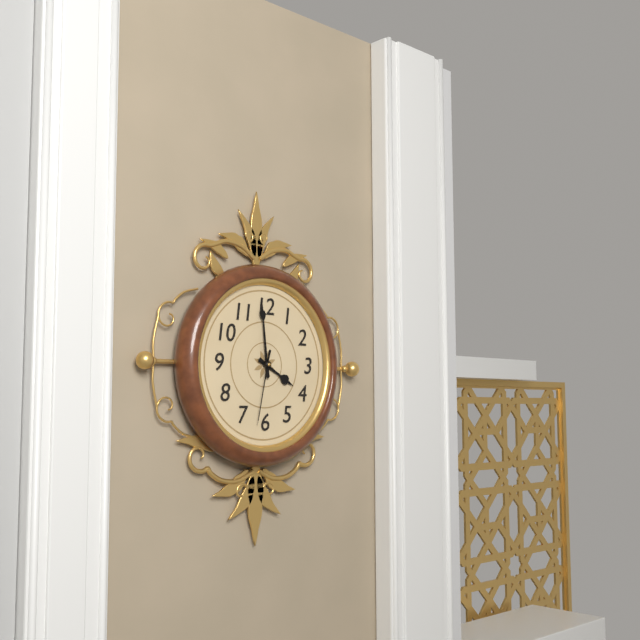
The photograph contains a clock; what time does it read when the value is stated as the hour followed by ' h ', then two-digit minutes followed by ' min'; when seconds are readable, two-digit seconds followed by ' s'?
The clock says 3 h 59 min 32 s
